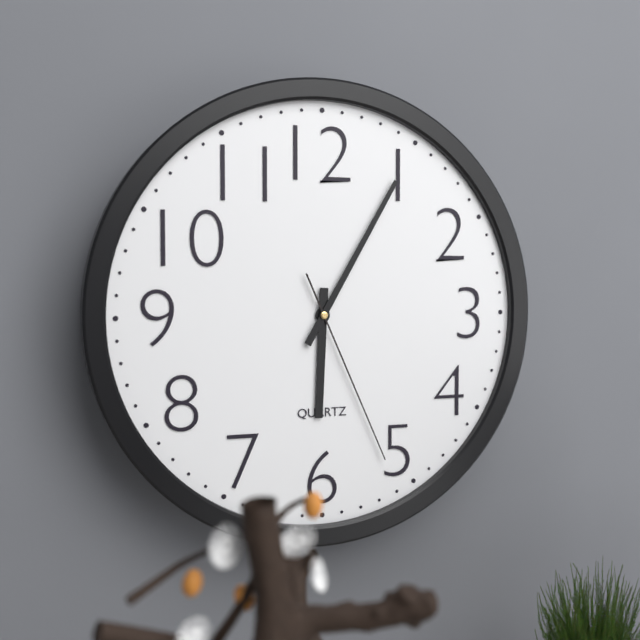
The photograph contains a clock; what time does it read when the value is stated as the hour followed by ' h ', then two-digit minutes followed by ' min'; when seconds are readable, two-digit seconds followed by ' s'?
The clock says 6 h 05 min 26 s
